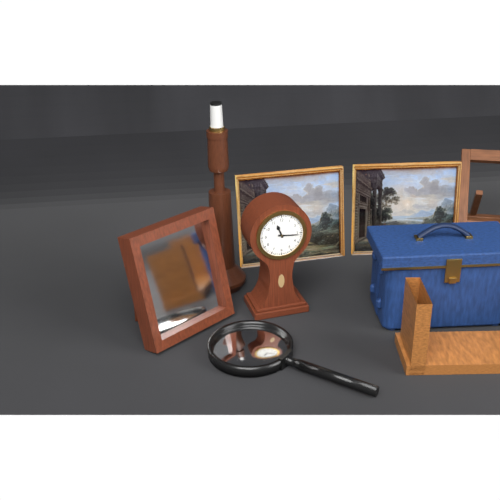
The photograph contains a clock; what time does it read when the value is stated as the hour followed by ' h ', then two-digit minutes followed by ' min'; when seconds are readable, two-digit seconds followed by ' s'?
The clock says 11 h 16 min
